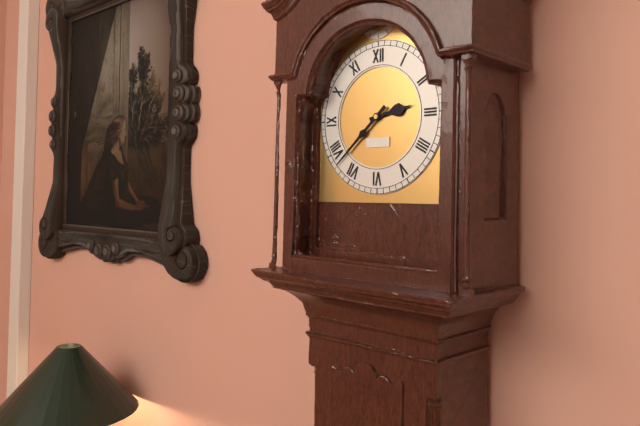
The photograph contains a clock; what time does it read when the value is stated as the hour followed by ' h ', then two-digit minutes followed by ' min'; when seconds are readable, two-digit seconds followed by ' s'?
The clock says 2 h 38 min
